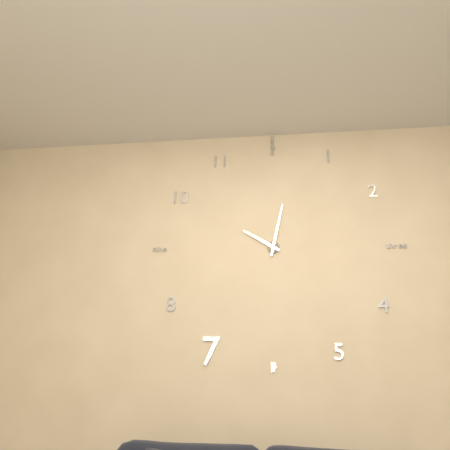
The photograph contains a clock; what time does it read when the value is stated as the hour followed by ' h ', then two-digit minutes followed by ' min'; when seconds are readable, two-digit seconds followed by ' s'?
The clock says 10 h 02 min
